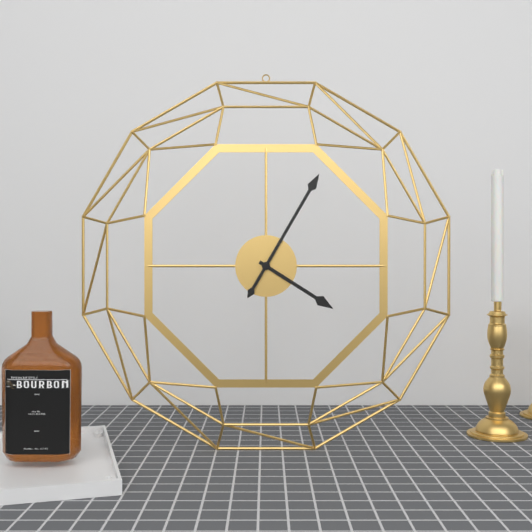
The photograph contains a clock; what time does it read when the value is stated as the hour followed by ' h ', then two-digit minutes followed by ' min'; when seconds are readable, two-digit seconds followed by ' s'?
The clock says 4 h 05 min
